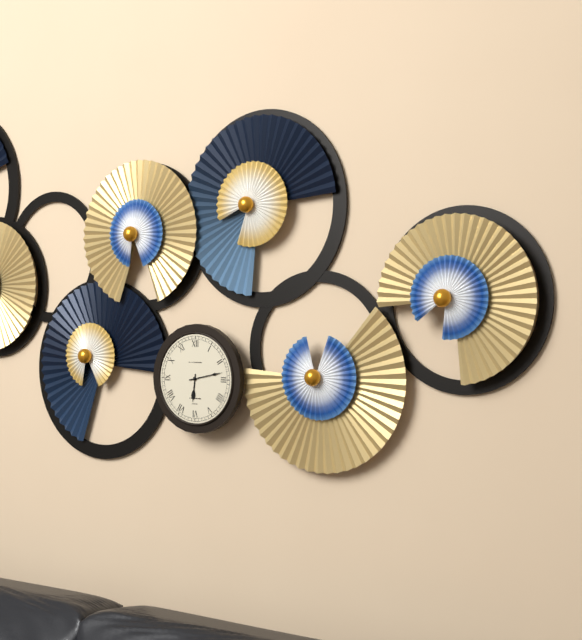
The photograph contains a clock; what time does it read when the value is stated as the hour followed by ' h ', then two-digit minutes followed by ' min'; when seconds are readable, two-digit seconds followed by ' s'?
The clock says 6 h 13 min
